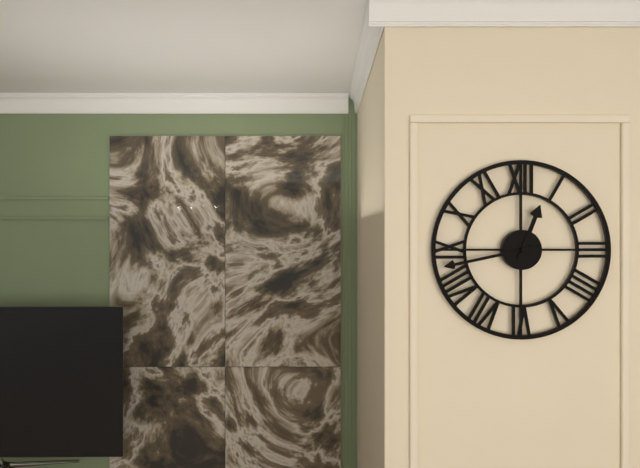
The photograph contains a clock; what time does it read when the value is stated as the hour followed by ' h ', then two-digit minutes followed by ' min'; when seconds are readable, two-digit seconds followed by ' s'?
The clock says 12 h 43 min
